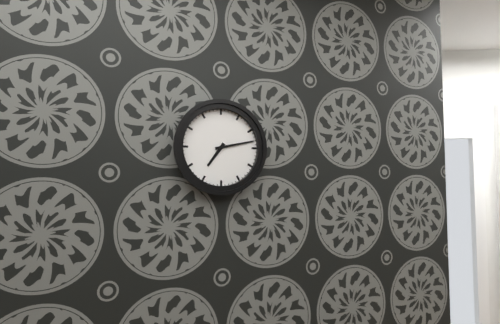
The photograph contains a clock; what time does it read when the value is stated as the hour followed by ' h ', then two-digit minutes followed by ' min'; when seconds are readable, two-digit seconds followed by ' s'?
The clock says 7 h 13 min
